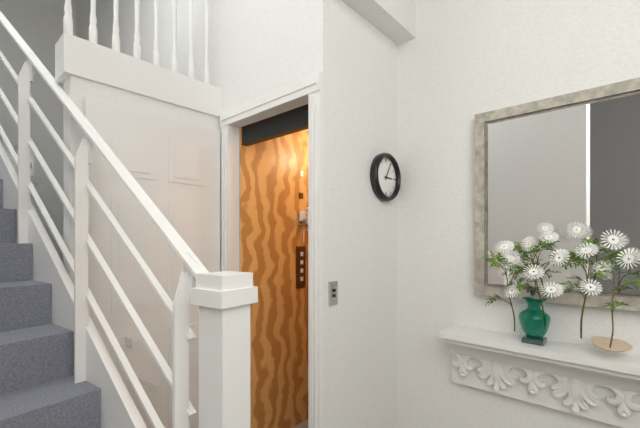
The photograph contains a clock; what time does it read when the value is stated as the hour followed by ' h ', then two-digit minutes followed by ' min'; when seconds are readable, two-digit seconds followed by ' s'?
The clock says 3 h 05 min
